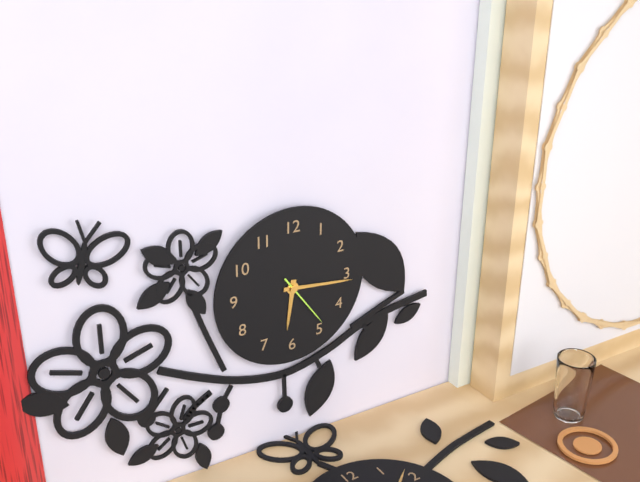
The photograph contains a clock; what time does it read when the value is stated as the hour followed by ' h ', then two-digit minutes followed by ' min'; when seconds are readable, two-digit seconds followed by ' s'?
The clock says 6 h 16 min 24 s
